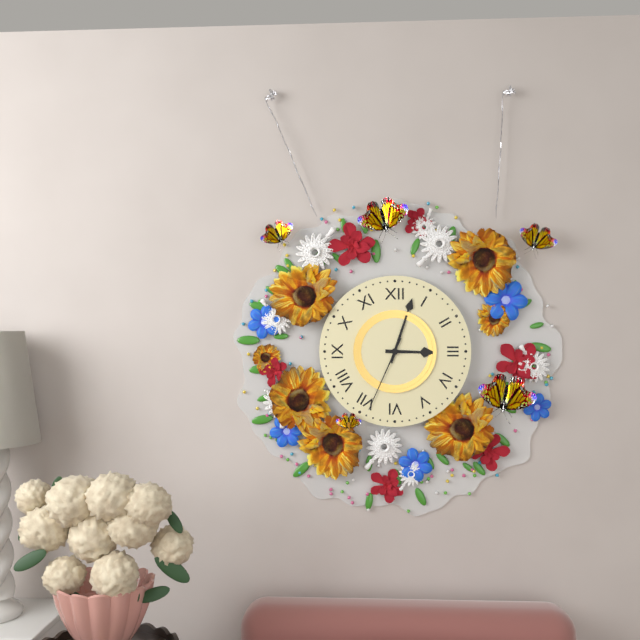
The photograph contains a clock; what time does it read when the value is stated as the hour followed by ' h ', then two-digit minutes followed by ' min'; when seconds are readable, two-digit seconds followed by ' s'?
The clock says 3 h 03 min 34 s
